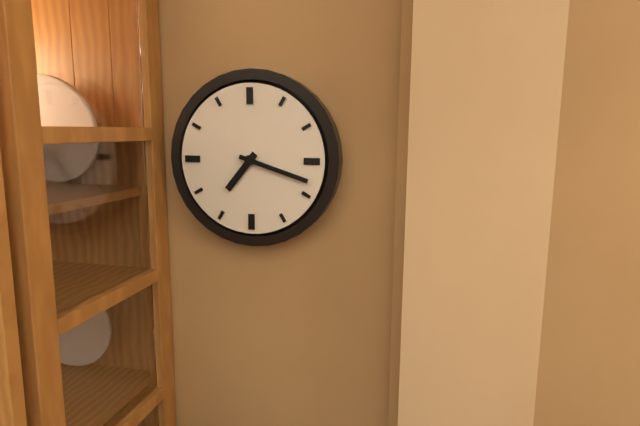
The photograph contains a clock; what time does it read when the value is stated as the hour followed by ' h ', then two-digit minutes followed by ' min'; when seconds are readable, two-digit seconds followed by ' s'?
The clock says 7 h 18 min
